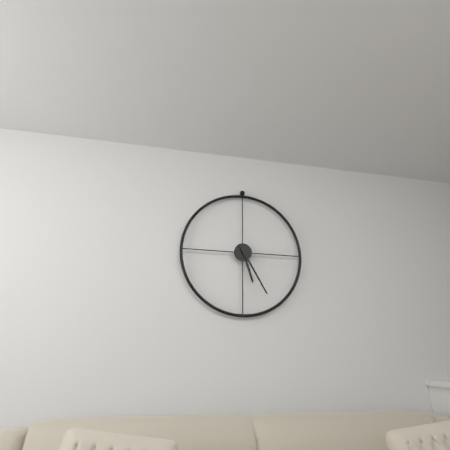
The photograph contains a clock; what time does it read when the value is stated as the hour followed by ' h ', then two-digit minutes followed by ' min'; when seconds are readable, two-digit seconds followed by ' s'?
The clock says 5 h 25 min
